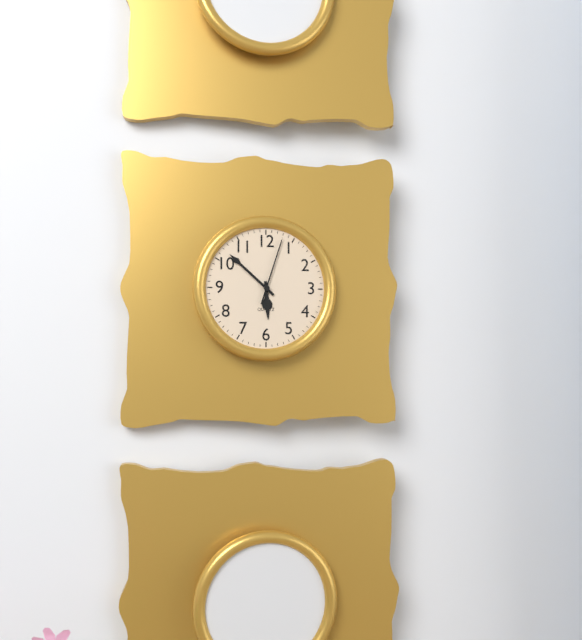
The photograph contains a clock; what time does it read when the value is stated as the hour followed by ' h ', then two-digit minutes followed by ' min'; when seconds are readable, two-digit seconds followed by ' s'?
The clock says 5 h 52 min 03 s
